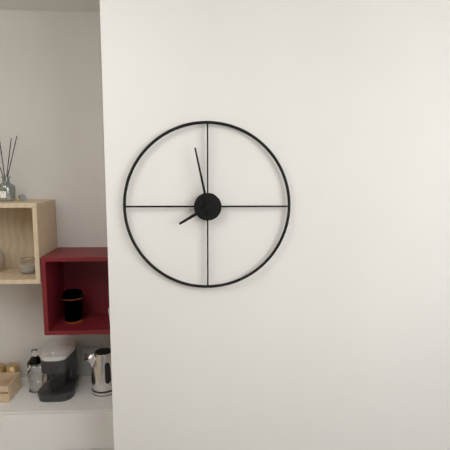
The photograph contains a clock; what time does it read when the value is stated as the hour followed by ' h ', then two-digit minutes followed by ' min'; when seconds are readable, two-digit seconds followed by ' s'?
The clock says 7 h 58 min
